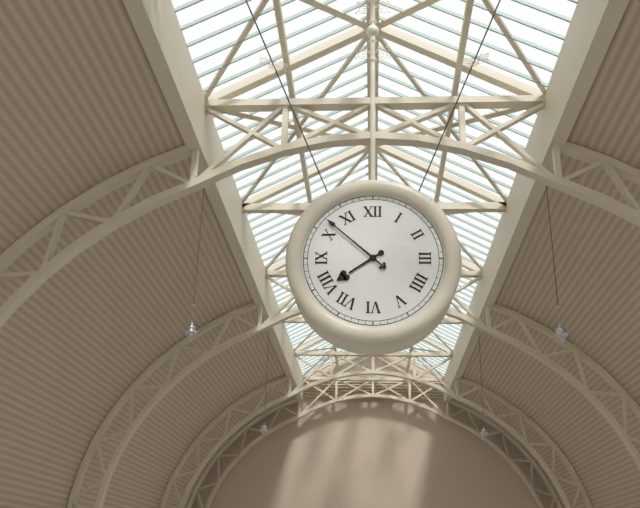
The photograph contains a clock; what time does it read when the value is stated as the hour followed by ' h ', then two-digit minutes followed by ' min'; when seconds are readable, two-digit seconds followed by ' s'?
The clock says 7 h 52 min
